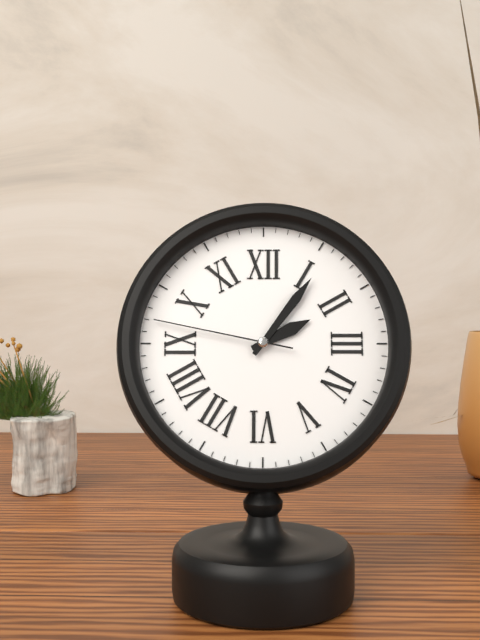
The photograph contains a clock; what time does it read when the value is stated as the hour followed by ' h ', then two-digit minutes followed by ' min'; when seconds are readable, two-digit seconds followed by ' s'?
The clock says 2 h 06 min 47 s
